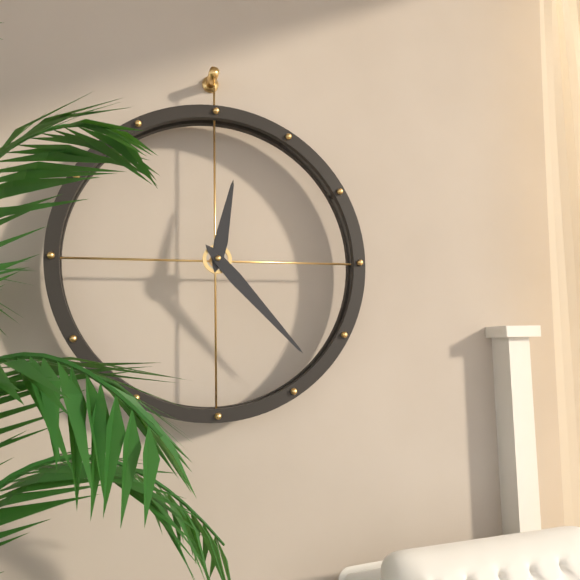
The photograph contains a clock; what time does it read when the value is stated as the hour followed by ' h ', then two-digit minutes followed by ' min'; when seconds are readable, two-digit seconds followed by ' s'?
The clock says 12 h 23 min
